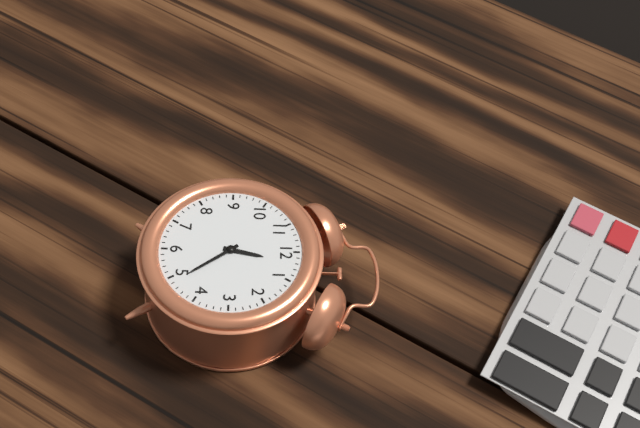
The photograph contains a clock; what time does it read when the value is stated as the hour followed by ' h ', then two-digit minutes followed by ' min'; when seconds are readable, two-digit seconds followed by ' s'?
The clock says 12 h 24 min
